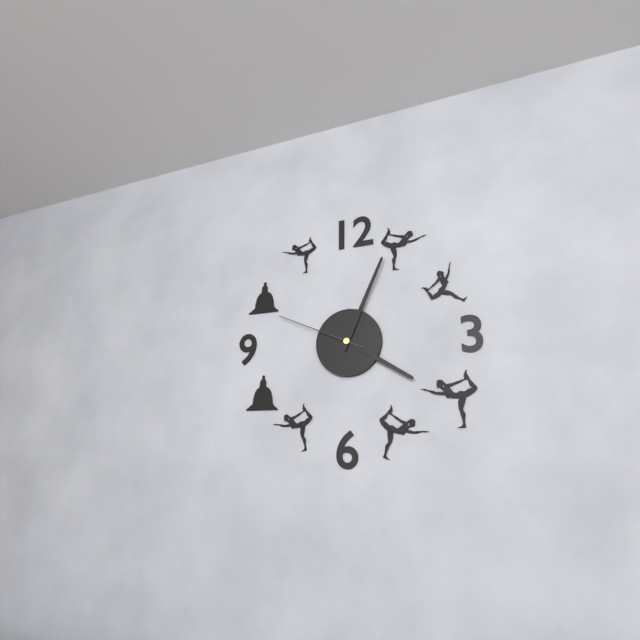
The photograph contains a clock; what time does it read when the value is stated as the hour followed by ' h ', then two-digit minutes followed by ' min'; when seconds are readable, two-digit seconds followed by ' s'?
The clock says 4 h 04 min 49 s
